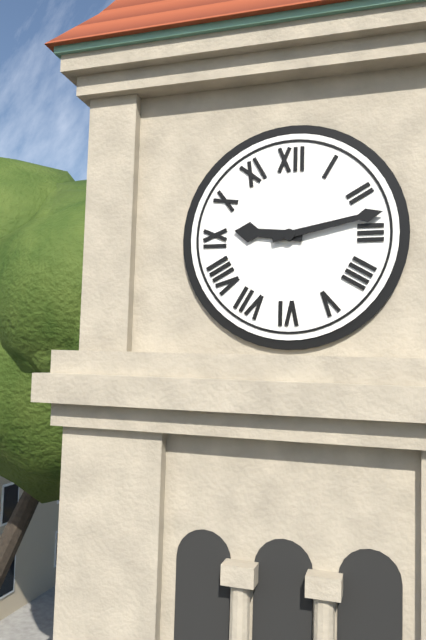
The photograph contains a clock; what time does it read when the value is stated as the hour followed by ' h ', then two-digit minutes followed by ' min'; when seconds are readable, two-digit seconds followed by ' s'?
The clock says 9 h 13 min
